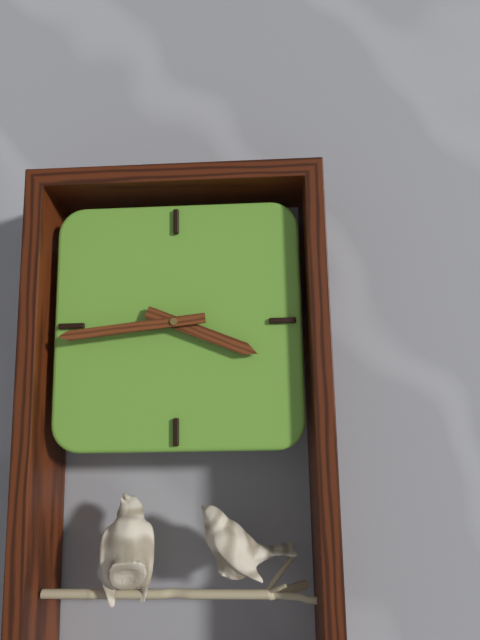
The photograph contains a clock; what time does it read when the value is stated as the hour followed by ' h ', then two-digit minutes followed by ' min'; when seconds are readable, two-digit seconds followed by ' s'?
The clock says 3 h 44 min
